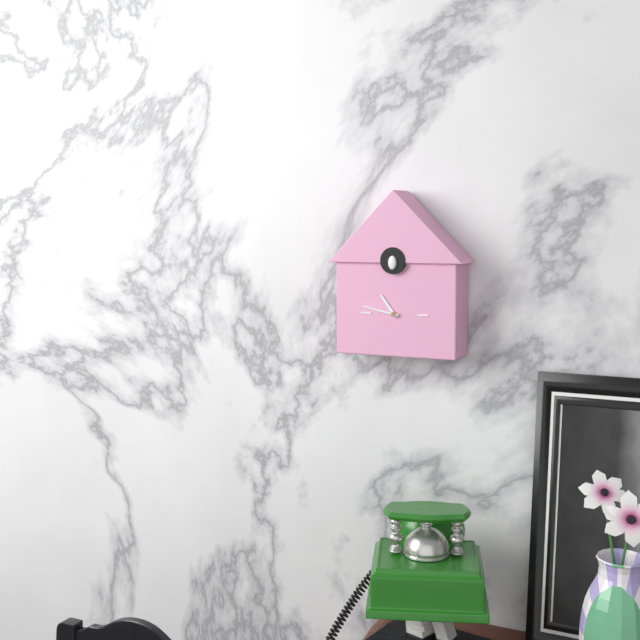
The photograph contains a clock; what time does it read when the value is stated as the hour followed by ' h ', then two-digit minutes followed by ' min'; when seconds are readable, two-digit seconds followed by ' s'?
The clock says 10 h 47 min
